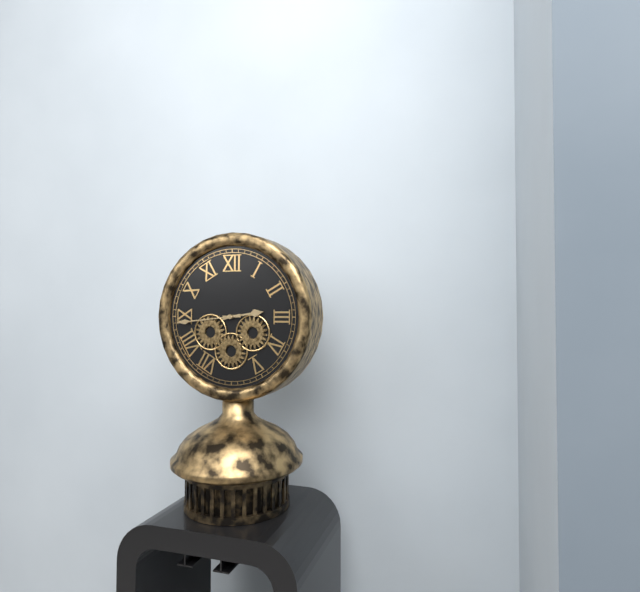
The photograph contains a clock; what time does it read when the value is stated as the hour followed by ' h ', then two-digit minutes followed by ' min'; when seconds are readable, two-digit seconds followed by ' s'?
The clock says 2 h 44 min
